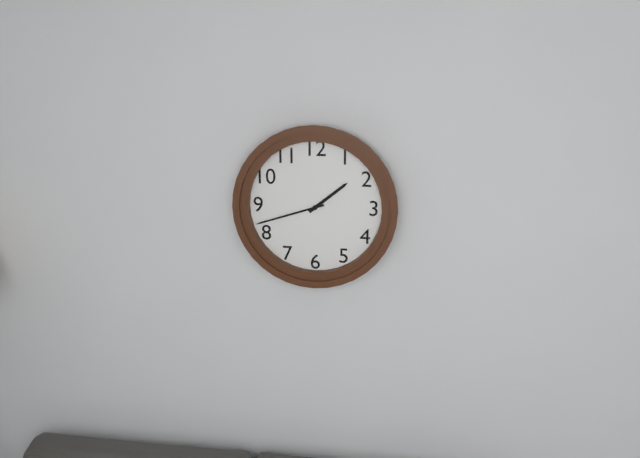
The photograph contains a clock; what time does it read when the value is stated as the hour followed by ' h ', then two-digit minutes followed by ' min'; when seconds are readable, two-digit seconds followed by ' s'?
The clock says 1 h 42 min
